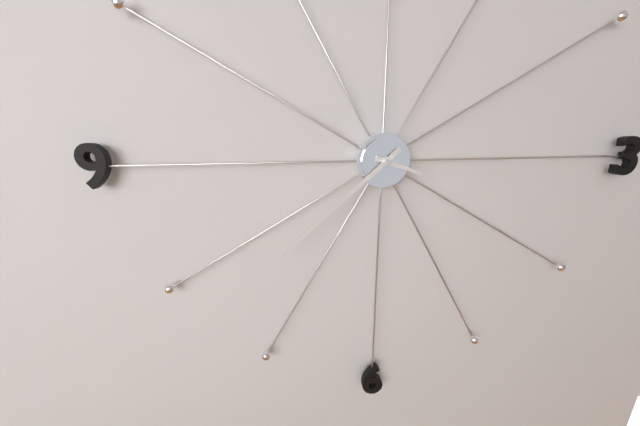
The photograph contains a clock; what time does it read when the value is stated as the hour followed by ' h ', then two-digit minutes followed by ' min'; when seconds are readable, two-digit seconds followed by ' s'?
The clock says 3 h 38 min
